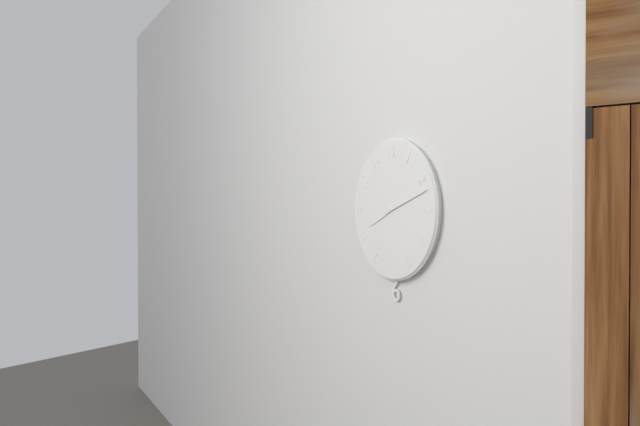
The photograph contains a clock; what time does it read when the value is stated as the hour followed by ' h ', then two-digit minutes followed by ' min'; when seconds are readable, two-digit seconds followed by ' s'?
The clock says 8 h 12 min
